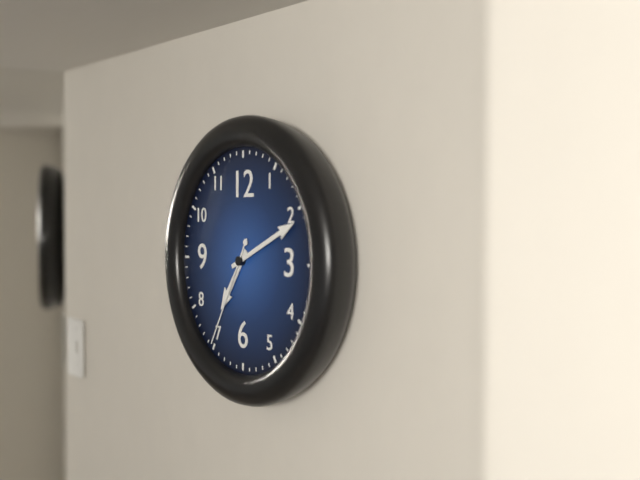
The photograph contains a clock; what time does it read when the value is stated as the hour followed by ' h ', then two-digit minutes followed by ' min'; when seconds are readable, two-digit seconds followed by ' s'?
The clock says 7 h 11 min 35 s
